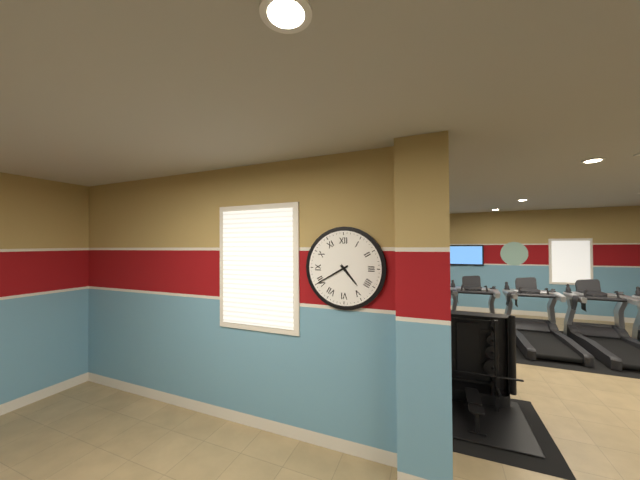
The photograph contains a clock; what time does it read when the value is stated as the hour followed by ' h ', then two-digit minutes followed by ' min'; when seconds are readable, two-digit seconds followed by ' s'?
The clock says 4 h 40 min
